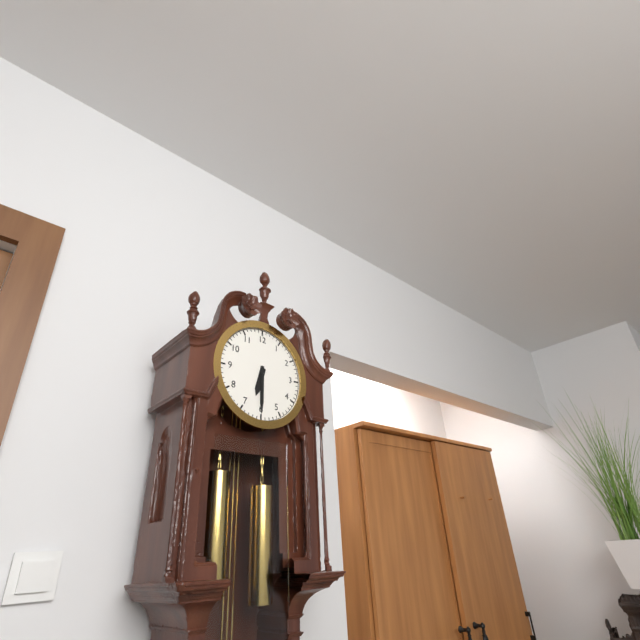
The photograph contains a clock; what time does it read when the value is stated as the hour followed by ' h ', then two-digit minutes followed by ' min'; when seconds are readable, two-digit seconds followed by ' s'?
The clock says 6 h 30 min
